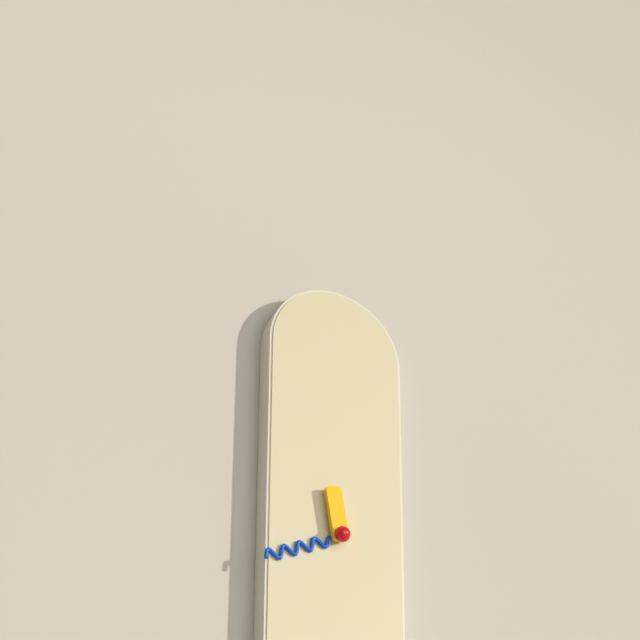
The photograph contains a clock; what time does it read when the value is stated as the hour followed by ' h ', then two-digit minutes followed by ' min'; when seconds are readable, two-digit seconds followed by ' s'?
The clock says 11 h 41 min
